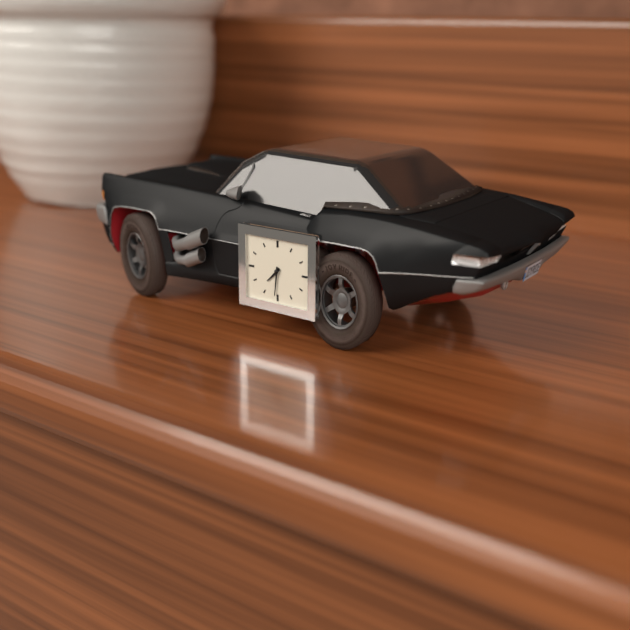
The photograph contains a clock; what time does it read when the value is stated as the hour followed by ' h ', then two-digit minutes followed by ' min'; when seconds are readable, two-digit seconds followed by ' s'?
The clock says 7 h 31 min
